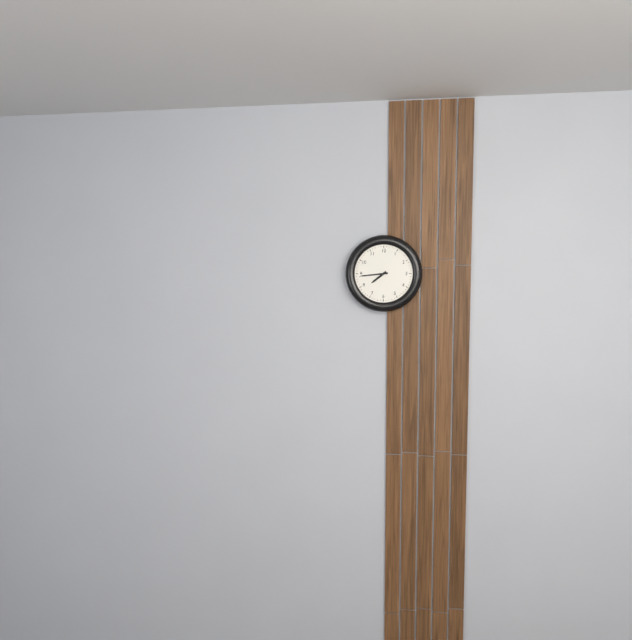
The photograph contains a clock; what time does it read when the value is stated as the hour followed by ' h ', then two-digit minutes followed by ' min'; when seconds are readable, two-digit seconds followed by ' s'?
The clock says 7 h 44 min
